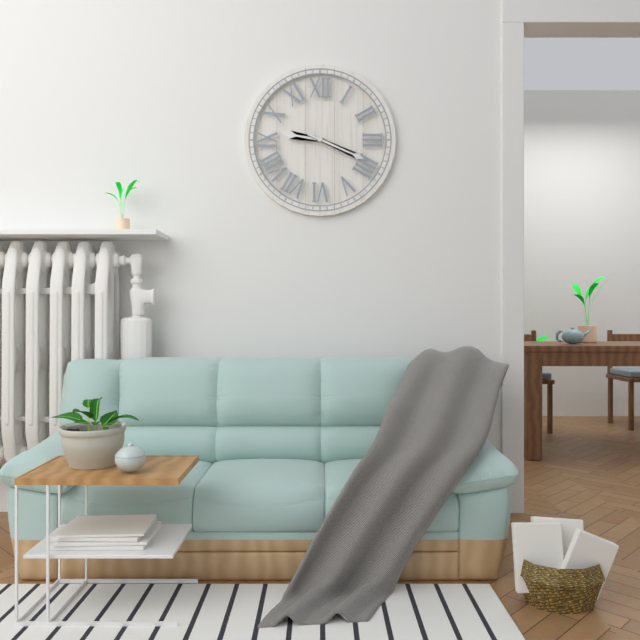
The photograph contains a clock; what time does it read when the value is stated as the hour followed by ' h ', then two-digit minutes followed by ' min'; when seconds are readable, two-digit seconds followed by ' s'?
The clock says 9 h 19 min
